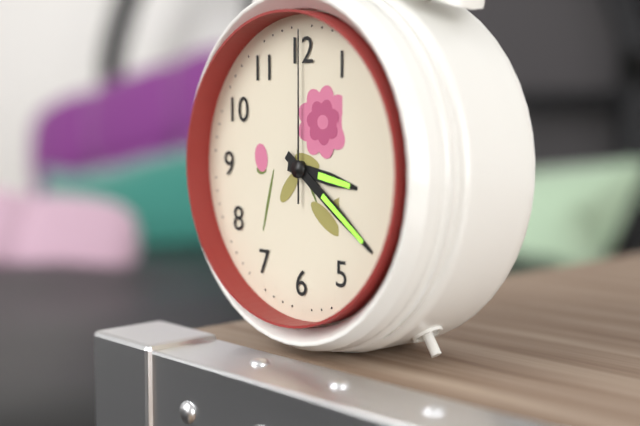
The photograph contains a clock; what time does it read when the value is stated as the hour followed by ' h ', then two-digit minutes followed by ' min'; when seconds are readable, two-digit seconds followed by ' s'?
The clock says 3 h 21 min 00 s
